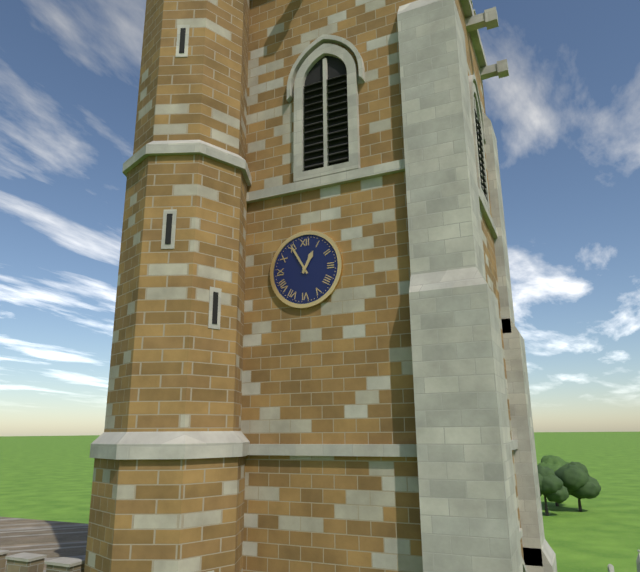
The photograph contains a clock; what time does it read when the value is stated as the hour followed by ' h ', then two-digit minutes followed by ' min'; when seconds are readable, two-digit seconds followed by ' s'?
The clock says 12 h 55 min
